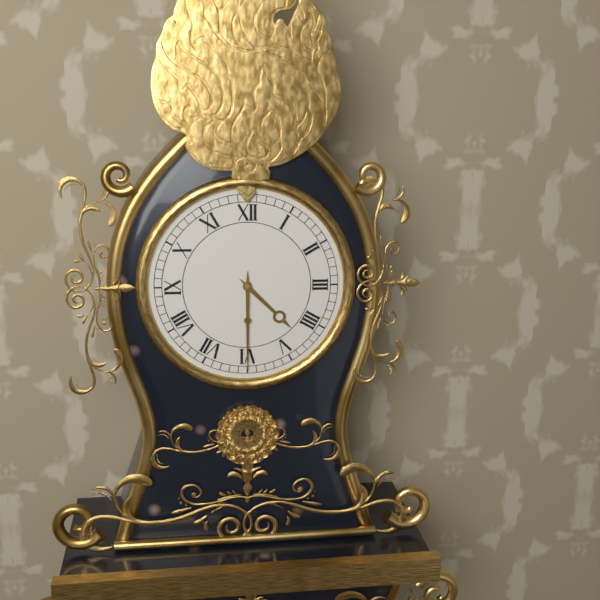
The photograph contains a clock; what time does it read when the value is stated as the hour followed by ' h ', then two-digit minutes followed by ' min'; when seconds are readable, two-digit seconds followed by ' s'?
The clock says 4 h 30 min
